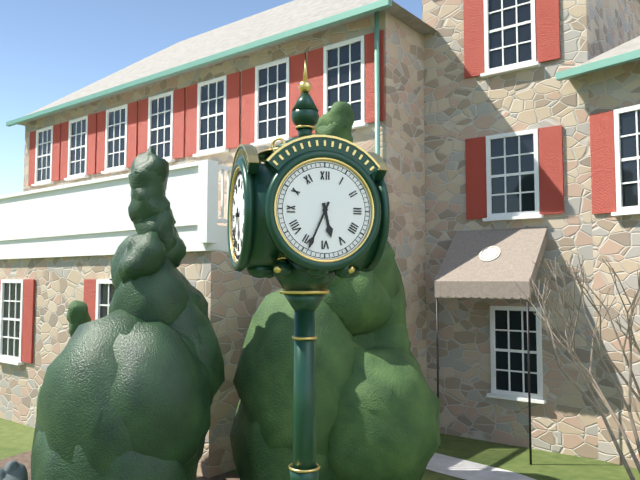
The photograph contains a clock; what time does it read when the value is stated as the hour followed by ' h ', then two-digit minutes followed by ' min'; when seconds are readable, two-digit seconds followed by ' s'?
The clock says 5 h 34 min
